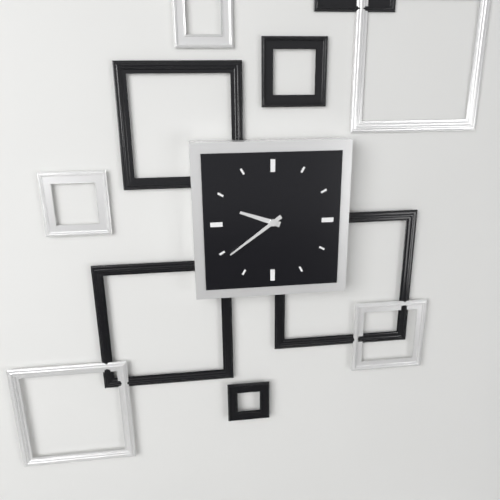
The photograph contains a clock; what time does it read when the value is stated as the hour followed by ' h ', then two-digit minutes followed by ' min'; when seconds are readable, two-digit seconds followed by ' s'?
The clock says 9 h 39 min
